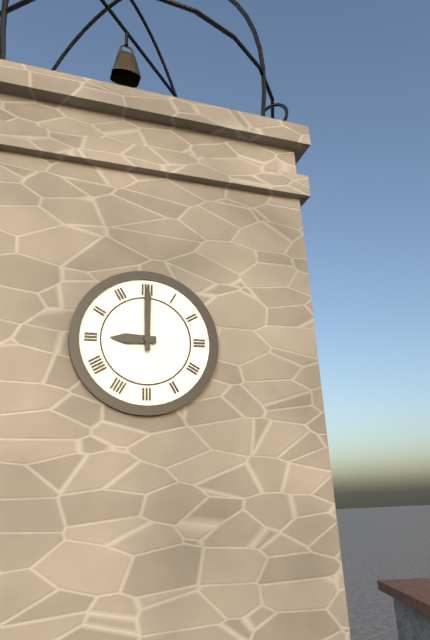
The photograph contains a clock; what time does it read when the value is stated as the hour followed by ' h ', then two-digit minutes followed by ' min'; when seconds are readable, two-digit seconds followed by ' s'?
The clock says 9 h 00 min
